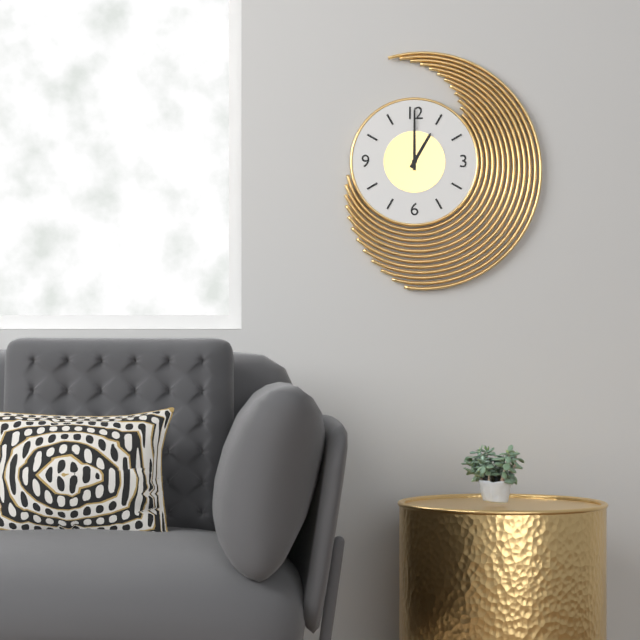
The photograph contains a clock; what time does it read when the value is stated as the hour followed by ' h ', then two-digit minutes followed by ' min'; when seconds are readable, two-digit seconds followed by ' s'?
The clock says 1 h 00 min
